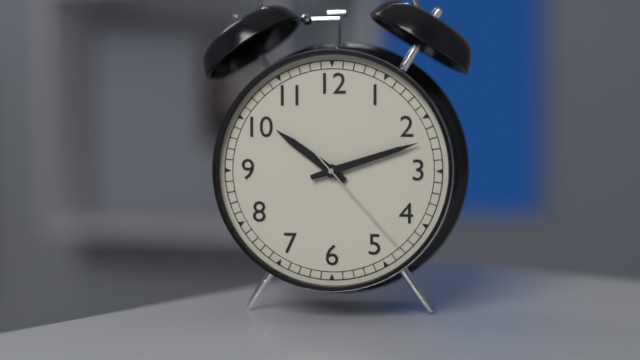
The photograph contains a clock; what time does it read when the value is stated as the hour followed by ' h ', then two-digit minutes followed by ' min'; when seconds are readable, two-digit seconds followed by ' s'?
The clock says 10 h 12 min 23 s
